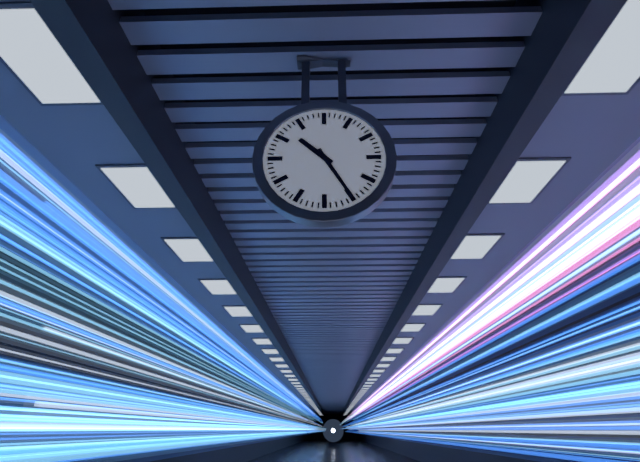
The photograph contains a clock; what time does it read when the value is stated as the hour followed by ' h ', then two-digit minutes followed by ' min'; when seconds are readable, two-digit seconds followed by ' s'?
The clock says 10 h 25 min
